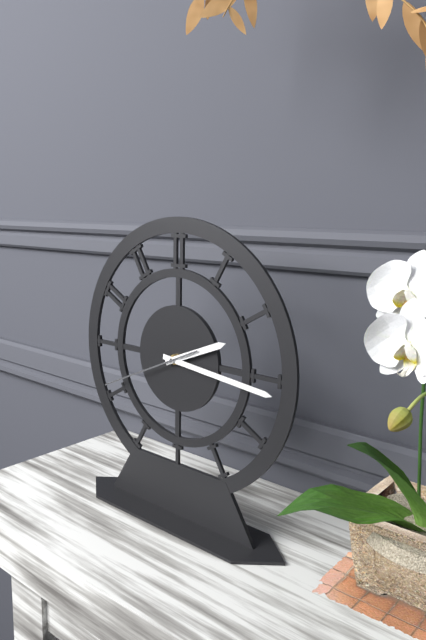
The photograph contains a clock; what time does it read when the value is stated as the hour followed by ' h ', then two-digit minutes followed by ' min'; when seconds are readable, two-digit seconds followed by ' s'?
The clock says 2 h 16 min 41 s
